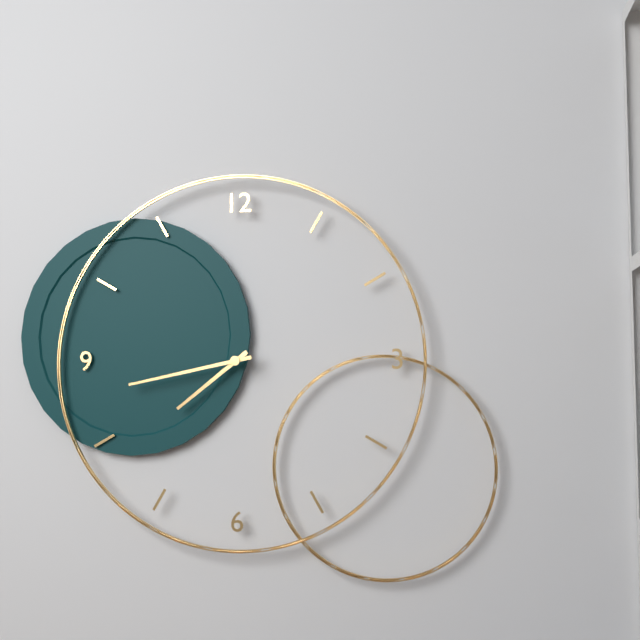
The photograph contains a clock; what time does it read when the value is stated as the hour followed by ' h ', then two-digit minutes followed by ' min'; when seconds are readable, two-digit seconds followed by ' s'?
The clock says 7 h 43 min
